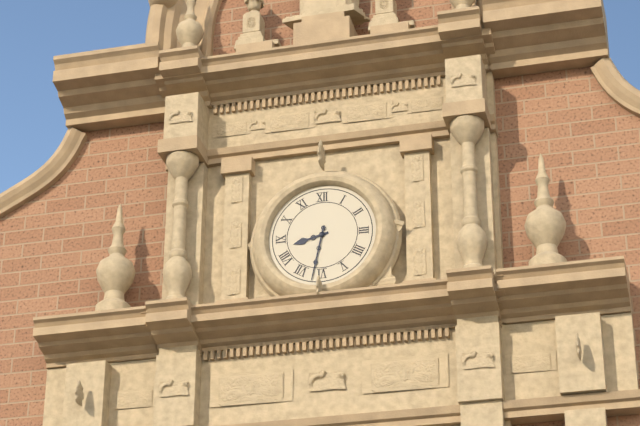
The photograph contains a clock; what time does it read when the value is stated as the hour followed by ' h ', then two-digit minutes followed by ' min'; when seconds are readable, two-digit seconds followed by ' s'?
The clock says 8 h 32 min
